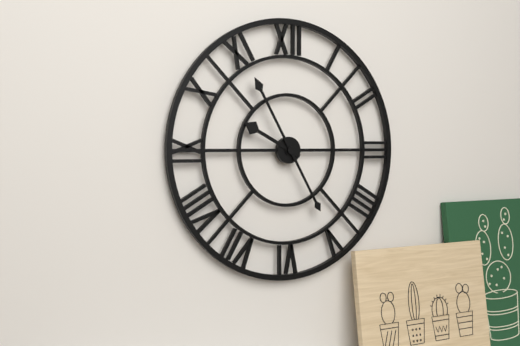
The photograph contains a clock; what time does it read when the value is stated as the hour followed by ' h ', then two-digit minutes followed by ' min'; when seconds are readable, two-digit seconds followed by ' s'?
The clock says 9 h 55 min
